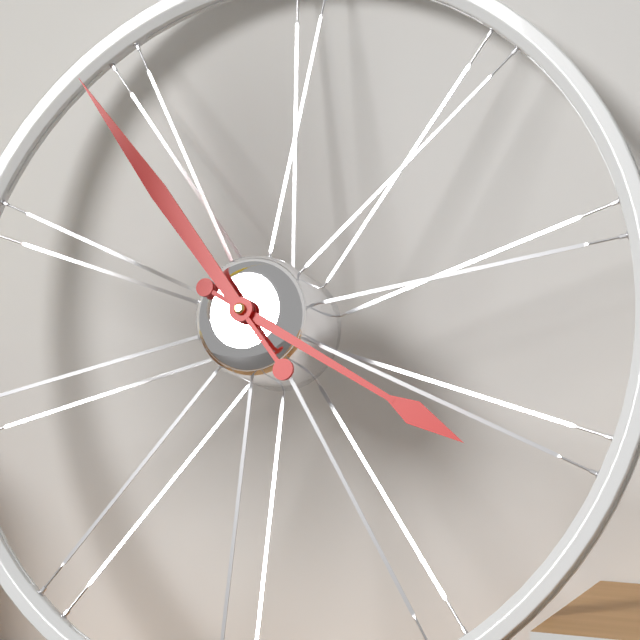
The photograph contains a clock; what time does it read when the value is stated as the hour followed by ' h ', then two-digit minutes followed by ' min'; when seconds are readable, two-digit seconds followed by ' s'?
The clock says 3 h 53 min
